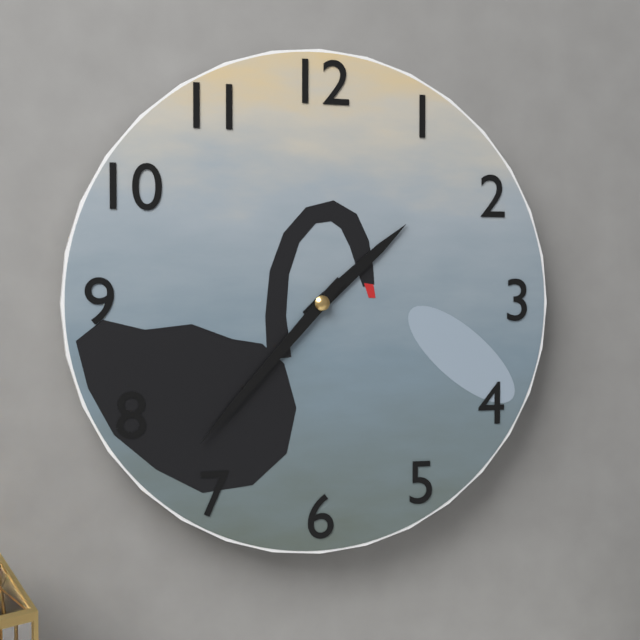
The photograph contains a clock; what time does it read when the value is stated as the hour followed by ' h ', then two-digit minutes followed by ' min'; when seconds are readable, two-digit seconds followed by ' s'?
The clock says 1 h 37 min
